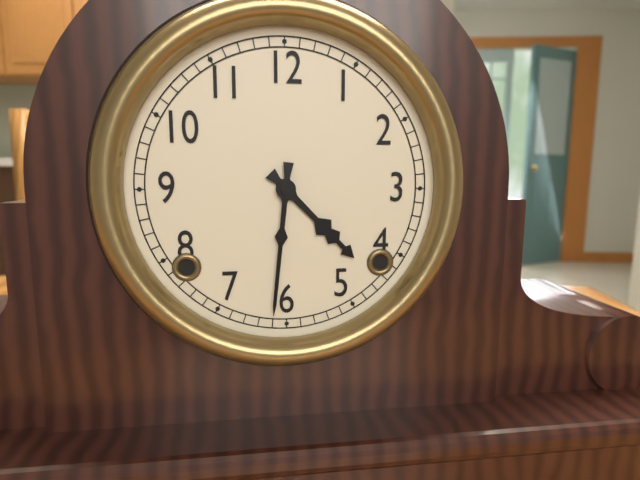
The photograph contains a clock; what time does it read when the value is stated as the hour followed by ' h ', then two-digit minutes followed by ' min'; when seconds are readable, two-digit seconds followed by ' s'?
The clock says 4 h 31 min
